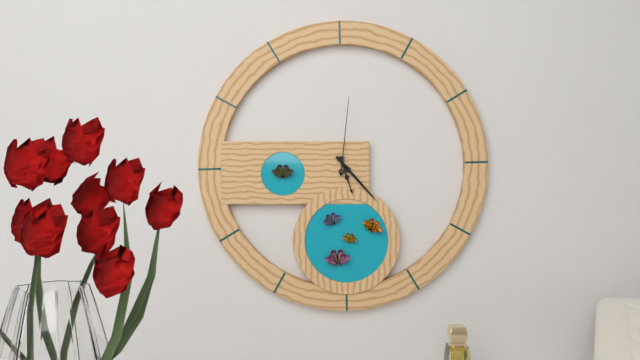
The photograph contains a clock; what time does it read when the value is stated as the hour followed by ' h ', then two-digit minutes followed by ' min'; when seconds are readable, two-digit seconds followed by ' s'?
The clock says 5 h 23 min 01 s
